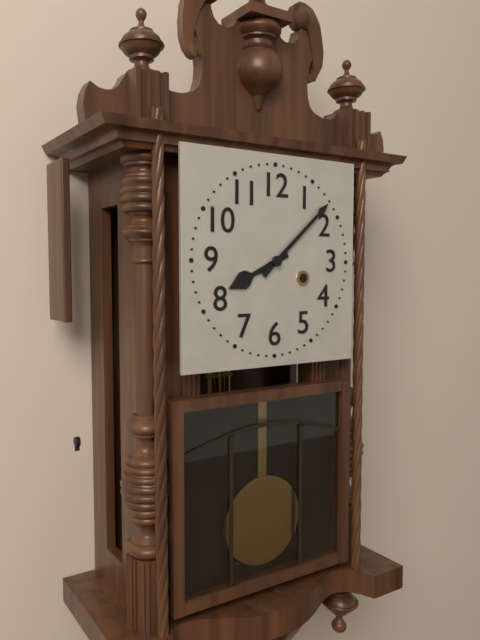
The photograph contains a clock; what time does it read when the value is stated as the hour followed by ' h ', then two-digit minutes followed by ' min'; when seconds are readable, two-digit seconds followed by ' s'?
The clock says 8 h 08 min
